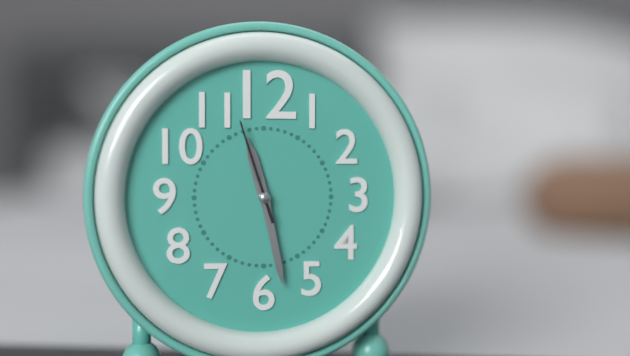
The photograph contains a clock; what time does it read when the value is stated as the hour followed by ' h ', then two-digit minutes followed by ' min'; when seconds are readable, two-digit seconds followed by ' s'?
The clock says 11 h 28 min 57 s
